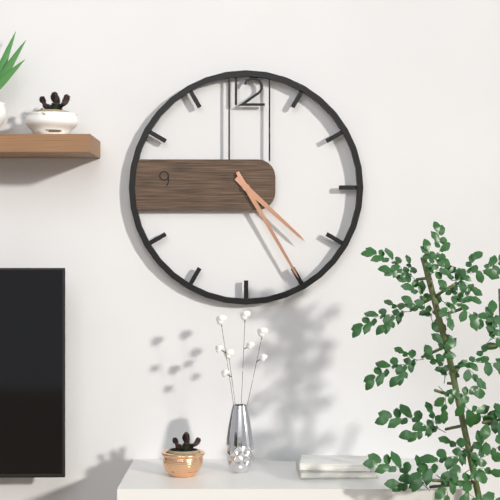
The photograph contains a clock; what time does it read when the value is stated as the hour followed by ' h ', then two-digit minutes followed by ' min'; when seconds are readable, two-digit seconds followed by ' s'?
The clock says 4 h 25 min
